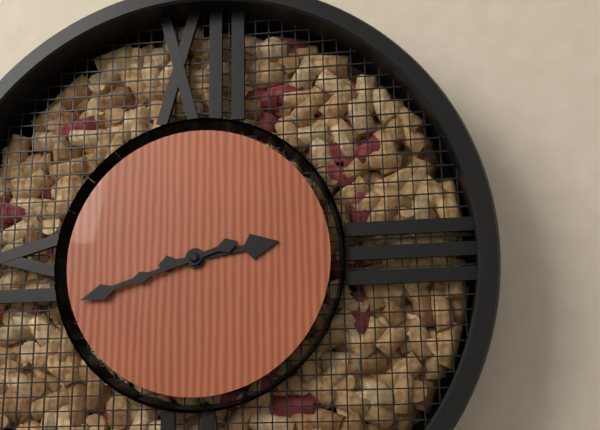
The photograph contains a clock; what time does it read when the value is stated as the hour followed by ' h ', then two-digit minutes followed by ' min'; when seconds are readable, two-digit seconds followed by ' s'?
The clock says 2 h 42 min
